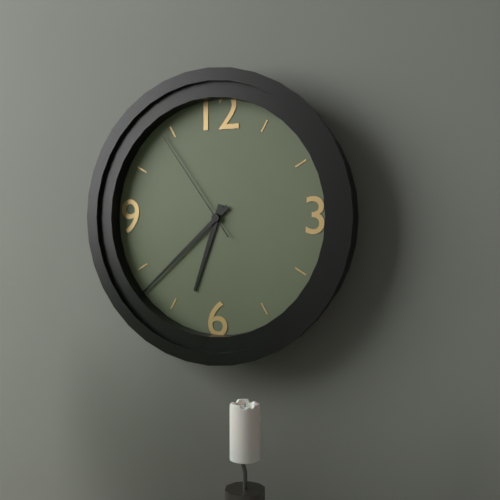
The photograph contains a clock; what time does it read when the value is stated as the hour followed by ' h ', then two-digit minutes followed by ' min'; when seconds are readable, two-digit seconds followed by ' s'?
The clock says 6 h 38 min 54 s
